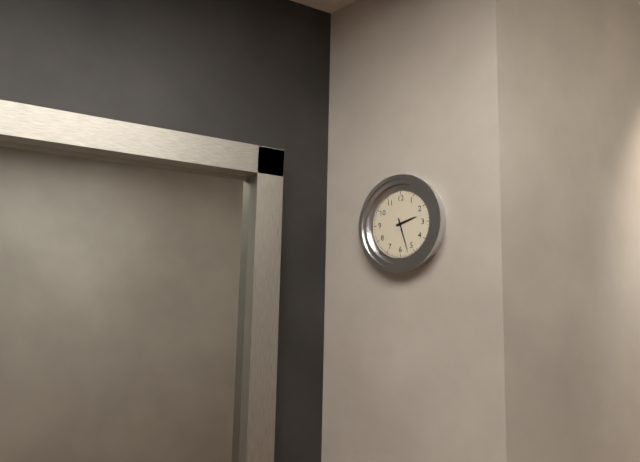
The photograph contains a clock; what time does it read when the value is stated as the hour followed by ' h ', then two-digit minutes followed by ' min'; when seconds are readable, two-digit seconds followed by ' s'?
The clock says 2 h 27 min
